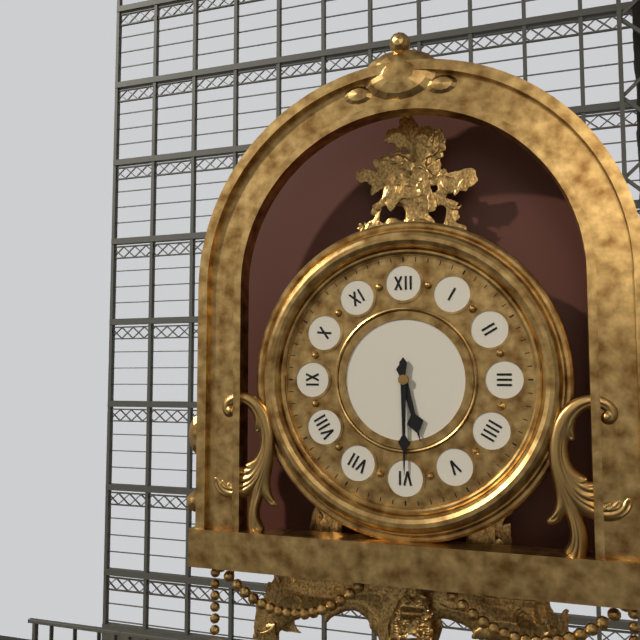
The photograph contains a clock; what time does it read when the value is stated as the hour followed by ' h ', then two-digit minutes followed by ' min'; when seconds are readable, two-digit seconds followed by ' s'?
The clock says 5 h 30 min
